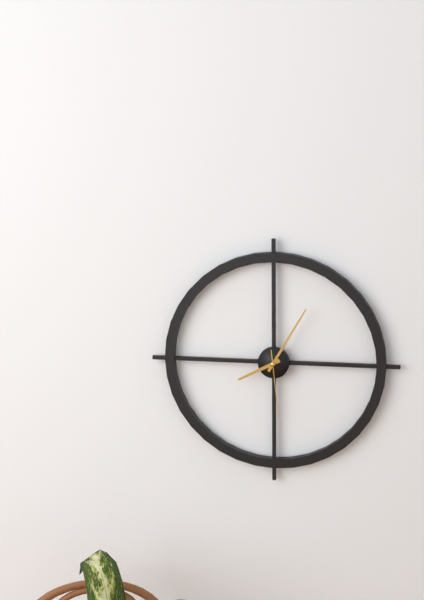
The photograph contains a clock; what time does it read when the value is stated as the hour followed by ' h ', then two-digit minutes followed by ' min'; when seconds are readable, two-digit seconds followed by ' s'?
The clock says 8 h 05 min 29 s
